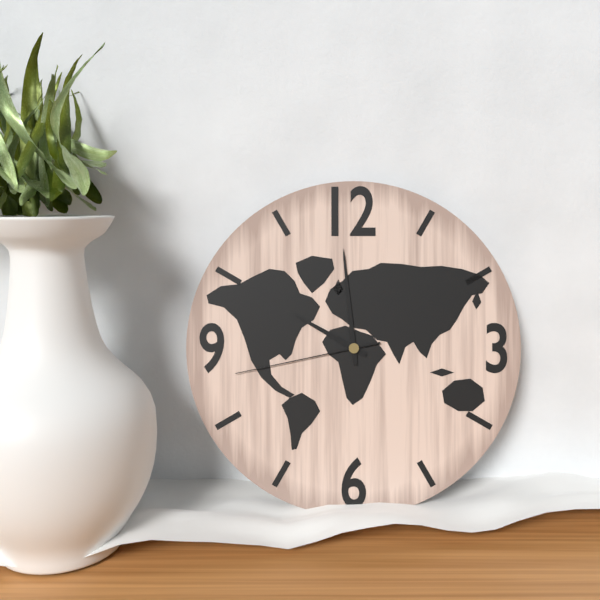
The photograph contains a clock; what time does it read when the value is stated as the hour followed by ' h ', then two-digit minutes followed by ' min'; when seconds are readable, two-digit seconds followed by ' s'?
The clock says 9 h 59 min 43 s
